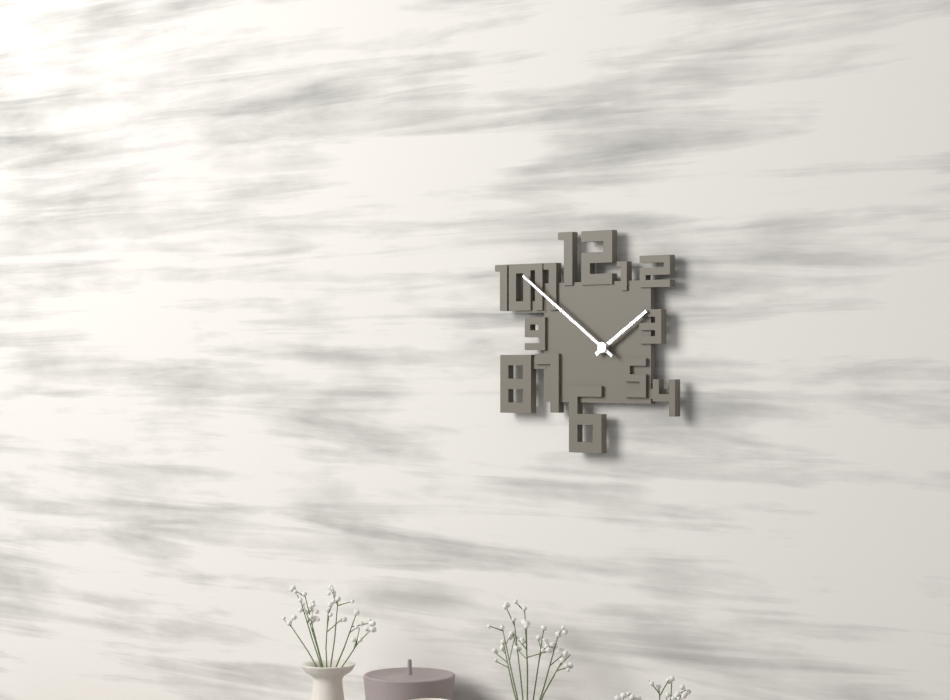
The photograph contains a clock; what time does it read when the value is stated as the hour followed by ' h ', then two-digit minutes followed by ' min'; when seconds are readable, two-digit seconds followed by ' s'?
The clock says 1 h 51 min
